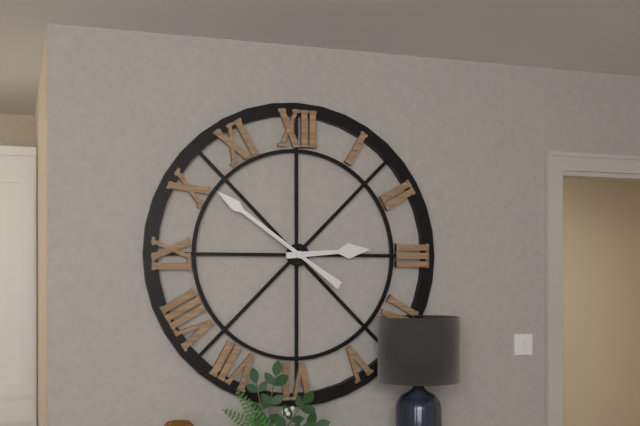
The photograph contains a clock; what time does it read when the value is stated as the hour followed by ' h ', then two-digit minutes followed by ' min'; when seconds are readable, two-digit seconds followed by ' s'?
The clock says 2 h 51 min
